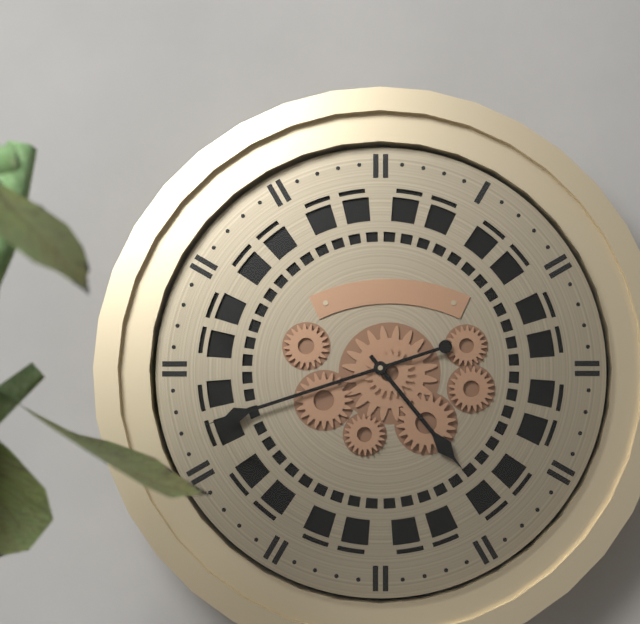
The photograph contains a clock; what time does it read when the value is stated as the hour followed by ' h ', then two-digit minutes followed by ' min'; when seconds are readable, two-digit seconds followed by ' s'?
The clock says 4 h 42 min
